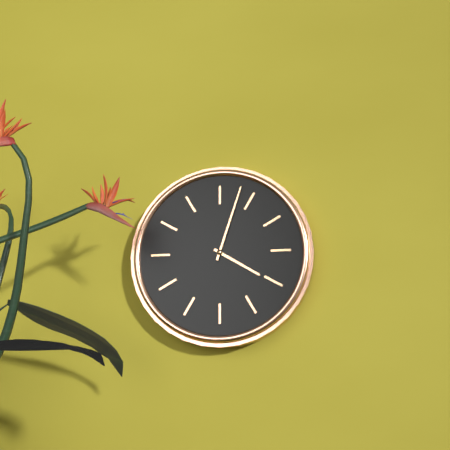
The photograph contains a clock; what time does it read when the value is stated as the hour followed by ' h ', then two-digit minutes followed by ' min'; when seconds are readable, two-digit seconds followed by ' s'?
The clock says 4 h 03 min
